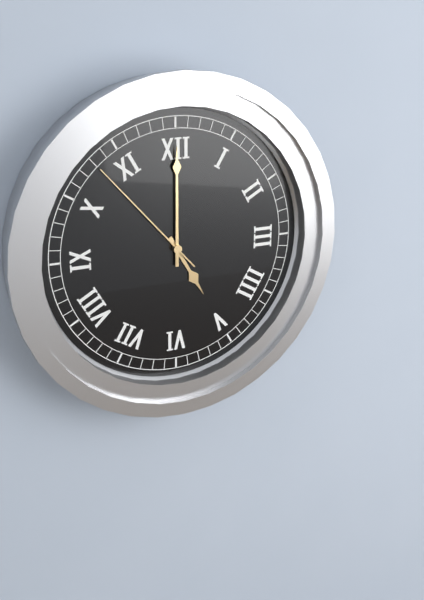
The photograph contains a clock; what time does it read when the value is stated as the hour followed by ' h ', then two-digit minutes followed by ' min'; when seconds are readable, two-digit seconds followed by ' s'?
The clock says 5 h 00 min 53 s
